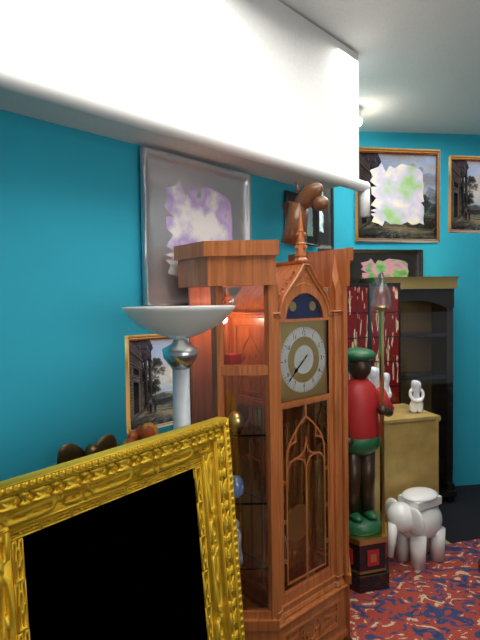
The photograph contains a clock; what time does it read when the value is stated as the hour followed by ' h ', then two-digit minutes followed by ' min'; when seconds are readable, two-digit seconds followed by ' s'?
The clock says 7 h 38 min
